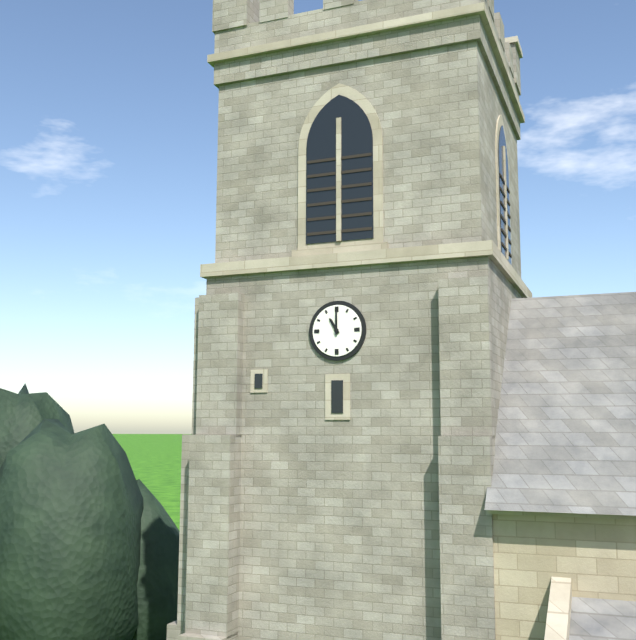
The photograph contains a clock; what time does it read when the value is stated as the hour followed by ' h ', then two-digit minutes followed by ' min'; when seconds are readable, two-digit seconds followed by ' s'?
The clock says 11 h 00 min
